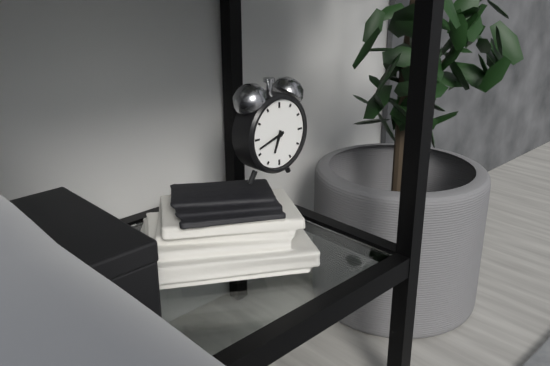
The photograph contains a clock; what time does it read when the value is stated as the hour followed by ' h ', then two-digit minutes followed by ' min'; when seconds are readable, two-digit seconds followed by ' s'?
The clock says 6 h 42 min
